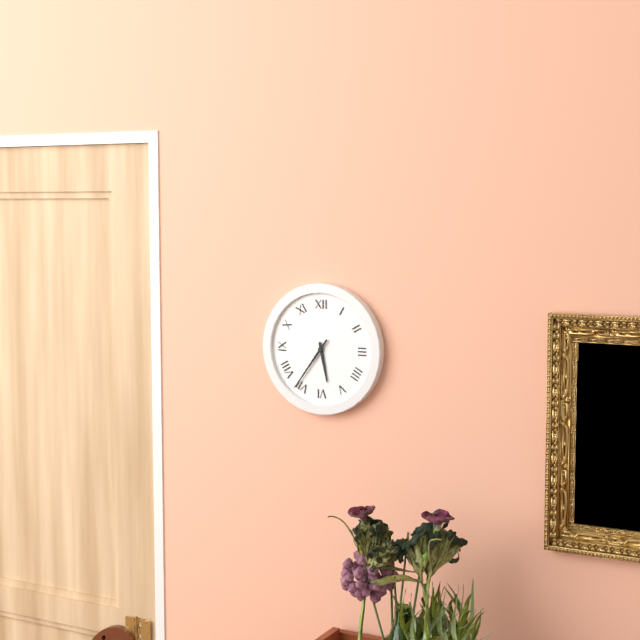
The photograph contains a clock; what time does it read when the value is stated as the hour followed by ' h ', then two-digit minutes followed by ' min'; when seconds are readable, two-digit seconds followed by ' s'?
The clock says 5 h 36 min
